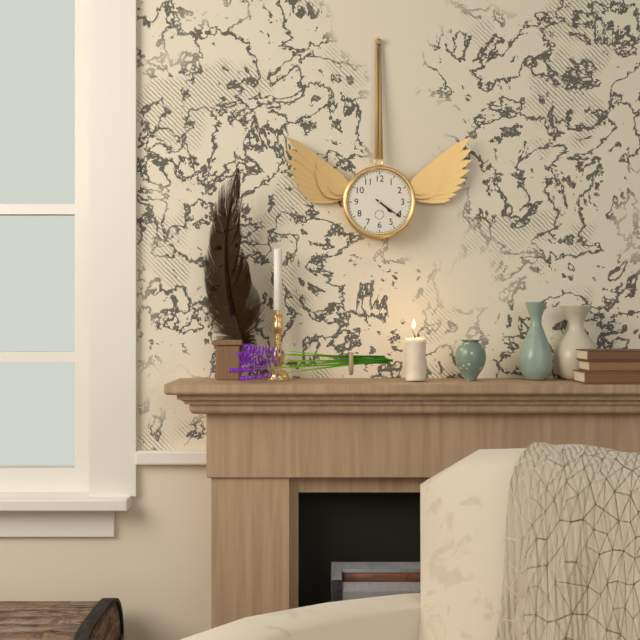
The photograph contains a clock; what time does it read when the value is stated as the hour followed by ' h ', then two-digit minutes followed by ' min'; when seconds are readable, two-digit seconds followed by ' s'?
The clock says 4 h 21 min
